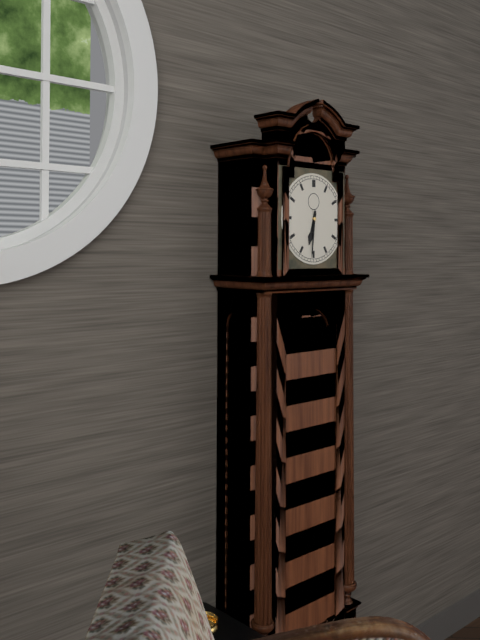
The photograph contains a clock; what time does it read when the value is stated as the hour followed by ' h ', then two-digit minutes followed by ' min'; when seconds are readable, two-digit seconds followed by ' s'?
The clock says 6 h 31 min
